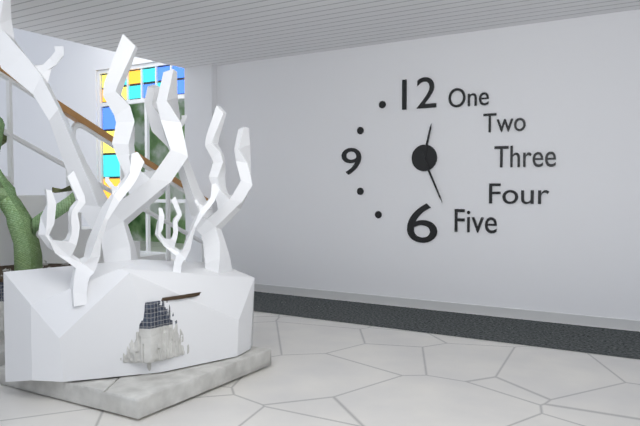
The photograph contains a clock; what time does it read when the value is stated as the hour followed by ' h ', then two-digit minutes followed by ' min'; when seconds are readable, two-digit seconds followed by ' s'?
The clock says 12 h 26 min
